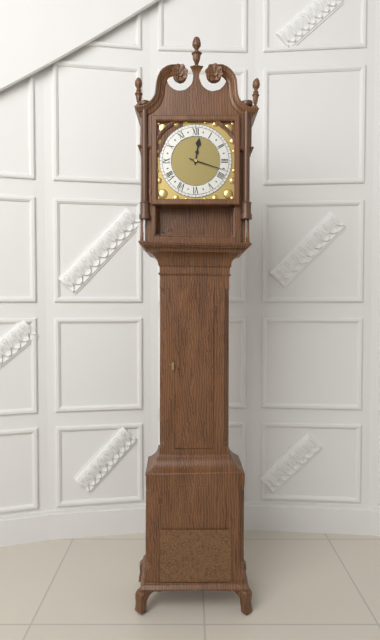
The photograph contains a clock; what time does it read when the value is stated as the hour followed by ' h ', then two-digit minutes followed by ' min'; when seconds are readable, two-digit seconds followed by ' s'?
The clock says 12 h 18 min
